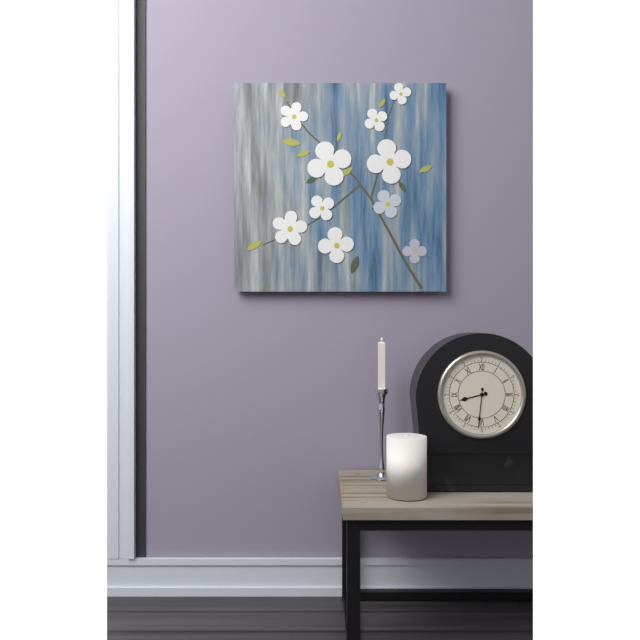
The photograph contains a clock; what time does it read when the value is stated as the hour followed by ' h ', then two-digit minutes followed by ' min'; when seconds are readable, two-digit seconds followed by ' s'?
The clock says 8 h 31 min
